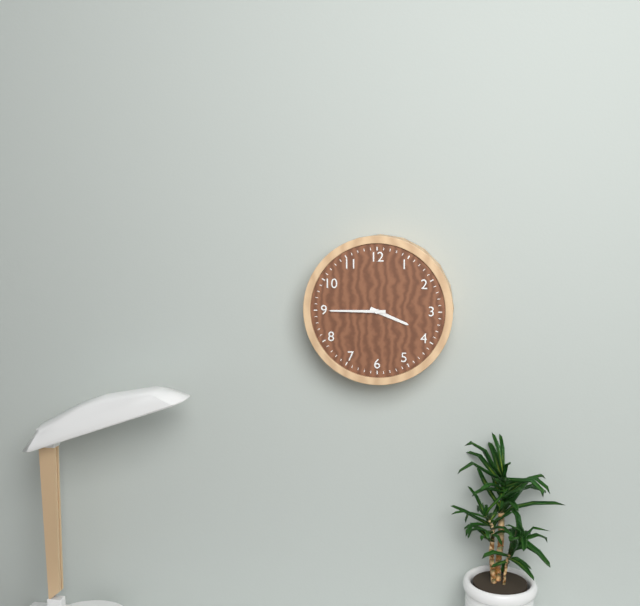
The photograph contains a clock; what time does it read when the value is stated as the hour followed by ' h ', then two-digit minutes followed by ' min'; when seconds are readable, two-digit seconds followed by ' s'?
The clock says 3 h 45 min
